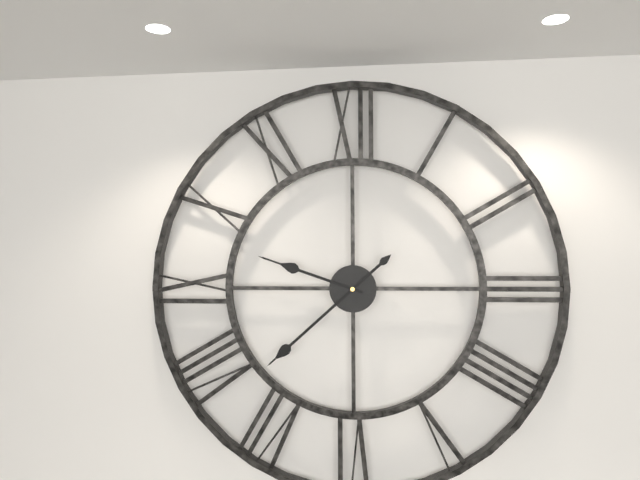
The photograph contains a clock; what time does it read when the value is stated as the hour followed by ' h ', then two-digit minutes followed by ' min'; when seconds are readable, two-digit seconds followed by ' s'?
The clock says 9 h 38 min
